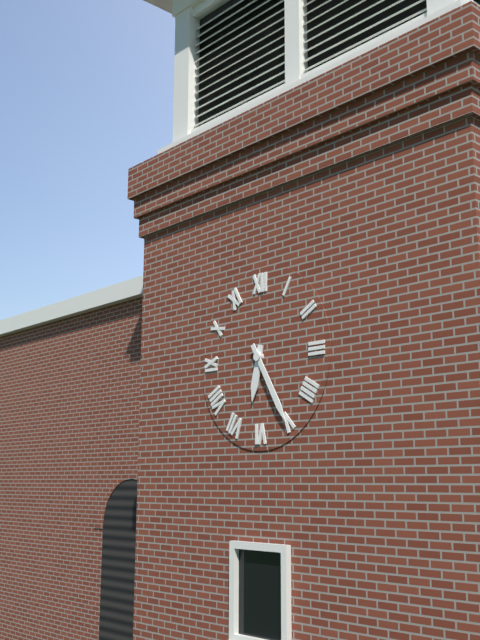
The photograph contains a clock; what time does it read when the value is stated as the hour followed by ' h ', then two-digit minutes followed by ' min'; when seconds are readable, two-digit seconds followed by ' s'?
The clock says 6 h 25 min
